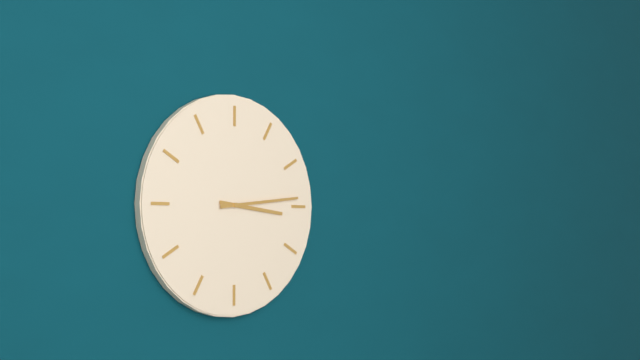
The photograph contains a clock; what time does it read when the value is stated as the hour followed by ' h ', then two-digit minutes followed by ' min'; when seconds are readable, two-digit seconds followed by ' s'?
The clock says 3 h 14 min
